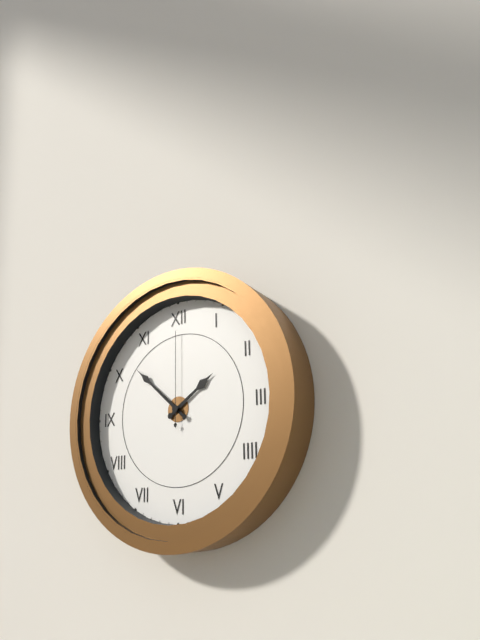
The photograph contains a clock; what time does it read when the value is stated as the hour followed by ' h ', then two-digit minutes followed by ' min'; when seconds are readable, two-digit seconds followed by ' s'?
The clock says 1 h 52 min 00 s
